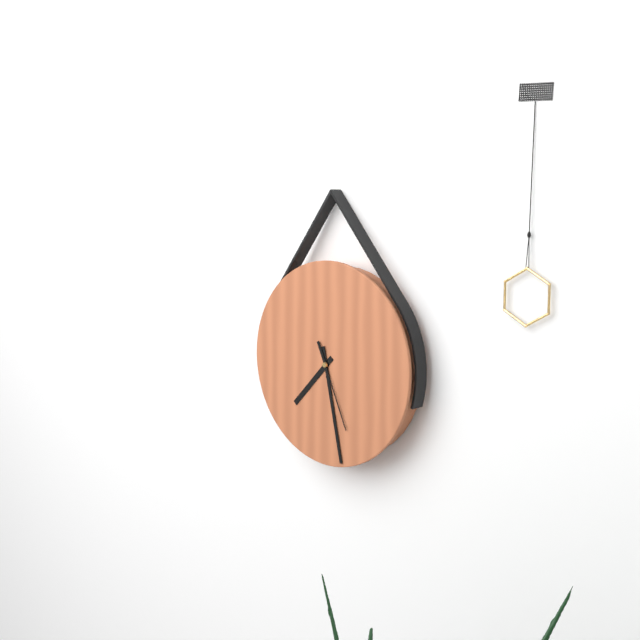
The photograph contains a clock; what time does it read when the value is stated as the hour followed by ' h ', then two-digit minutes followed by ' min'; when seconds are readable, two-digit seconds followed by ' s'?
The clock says 7 h 28 min 26 s
